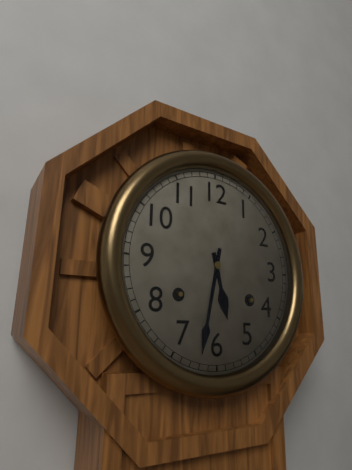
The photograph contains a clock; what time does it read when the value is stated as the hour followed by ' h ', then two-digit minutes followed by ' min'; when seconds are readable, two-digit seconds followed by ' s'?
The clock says 5 h 32 min
